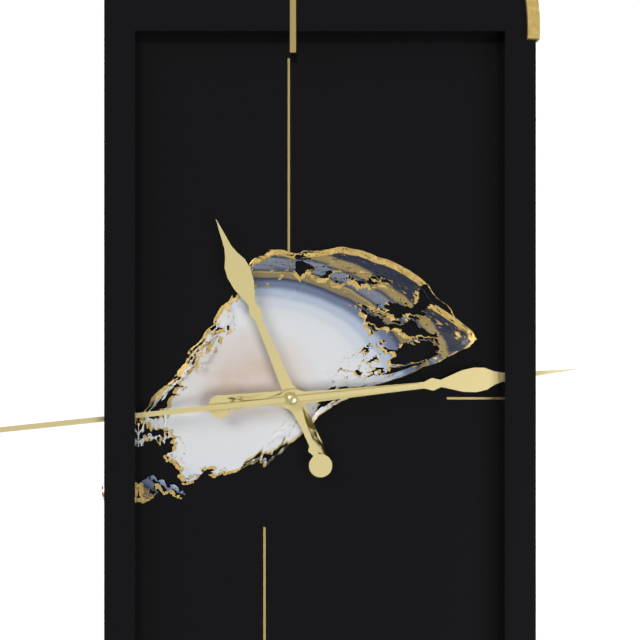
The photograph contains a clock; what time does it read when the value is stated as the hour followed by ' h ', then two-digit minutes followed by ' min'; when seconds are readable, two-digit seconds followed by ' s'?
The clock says 11 h 14 min
